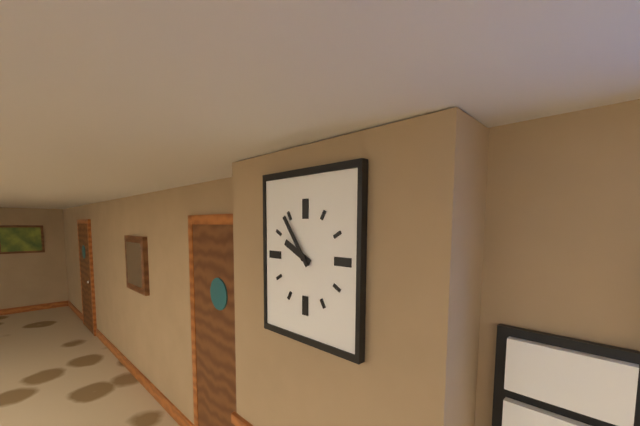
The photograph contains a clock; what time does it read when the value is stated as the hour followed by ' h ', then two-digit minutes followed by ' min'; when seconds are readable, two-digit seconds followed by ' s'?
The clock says 9 h 54 min
